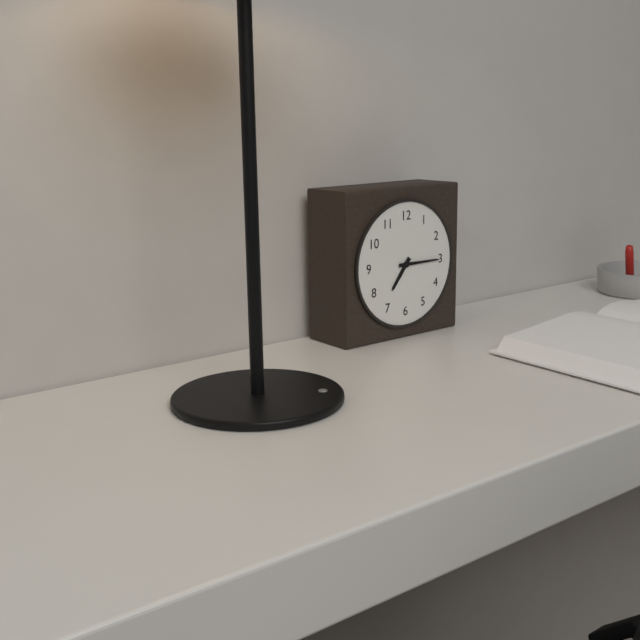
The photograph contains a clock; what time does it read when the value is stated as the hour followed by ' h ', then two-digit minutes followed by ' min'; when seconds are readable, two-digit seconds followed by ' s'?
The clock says 7 h 15 min
